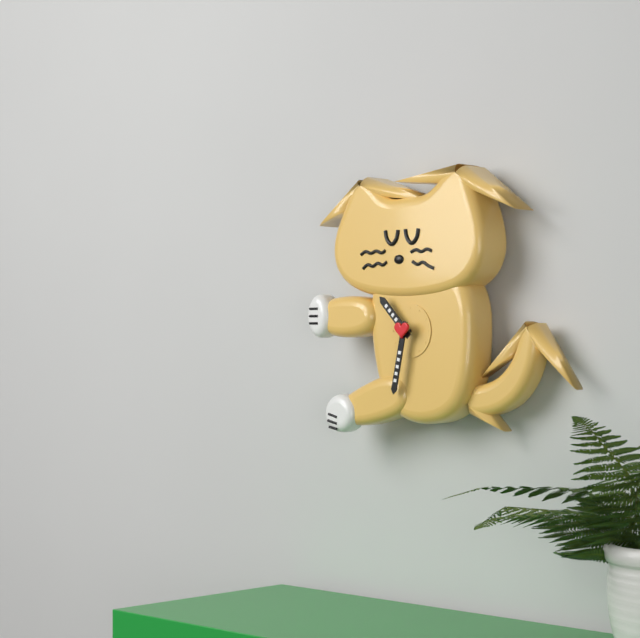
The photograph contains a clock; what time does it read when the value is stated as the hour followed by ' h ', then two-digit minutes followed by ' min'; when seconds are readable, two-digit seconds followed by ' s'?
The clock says 10 h 32 min
